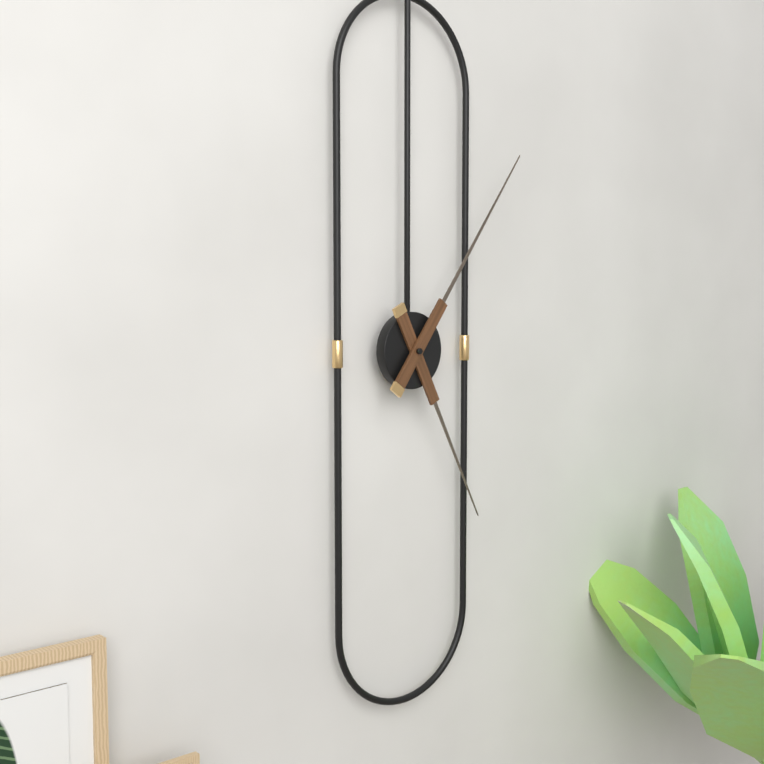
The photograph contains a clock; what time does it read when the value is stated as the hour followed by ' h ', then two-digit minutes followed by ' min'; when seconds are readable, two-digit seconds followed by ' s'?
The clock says 5 h 06 min
